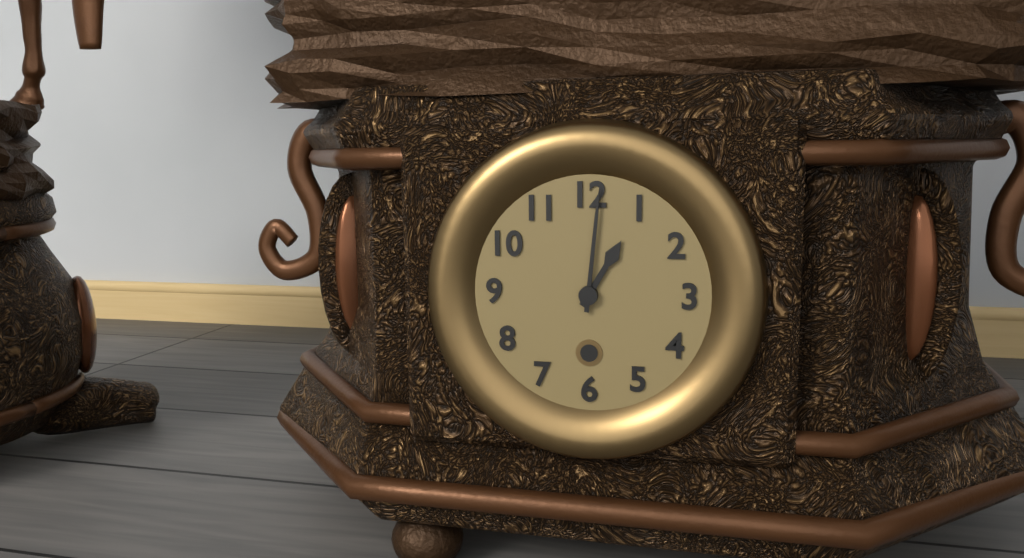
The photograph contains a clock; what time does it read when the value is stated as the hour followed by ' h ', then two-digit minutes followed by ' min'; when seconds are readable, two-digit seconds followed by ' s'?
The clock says 1 h 01 min
